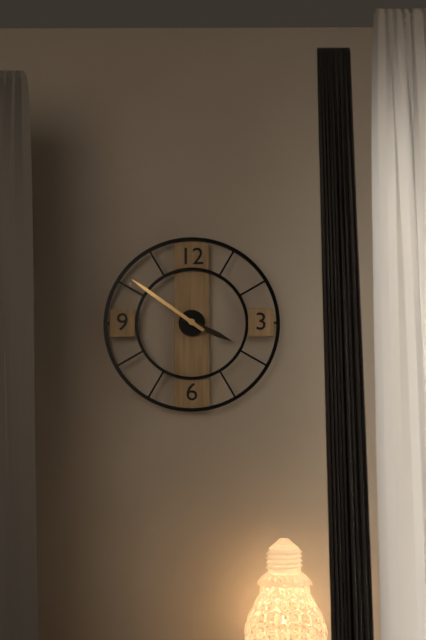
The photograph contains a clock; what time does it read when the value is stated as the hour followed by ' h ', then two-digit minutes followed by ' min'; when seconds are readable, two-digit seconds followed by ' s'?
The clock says 3 h 51 min
